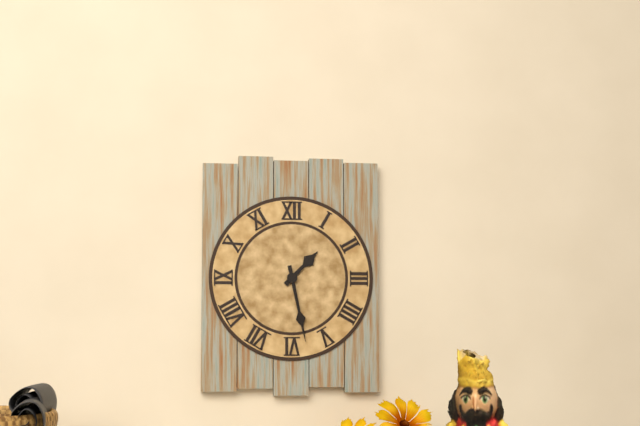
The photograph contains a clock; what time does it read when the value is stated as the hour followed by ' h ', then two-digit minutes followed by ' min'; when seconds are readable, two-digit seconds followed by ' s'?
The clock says 1 h 28 min
